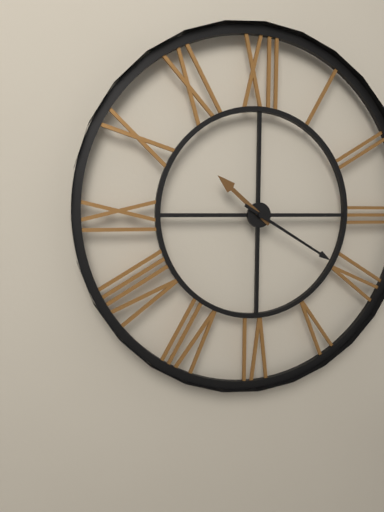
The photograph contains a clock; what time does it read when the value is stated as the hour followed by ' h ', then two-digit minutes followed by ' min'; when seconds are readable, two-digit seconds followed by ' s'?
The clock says 10 h 20 min
